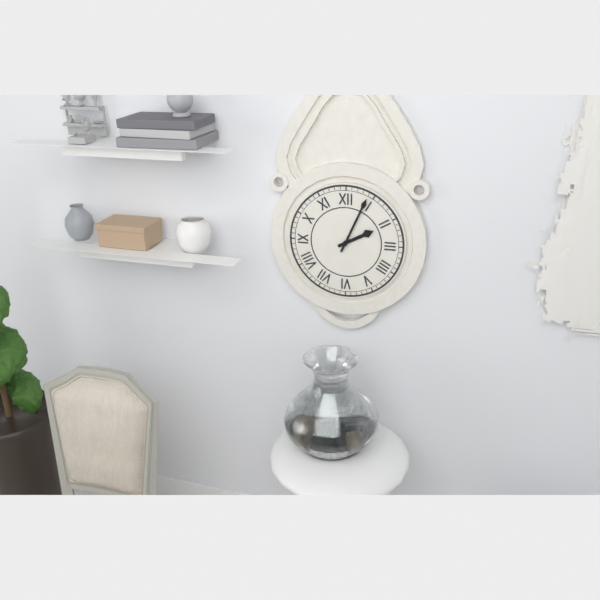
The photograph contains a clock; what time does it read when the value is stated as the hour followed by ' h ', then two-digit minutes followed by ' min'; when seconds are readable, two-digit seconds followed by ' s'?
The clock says 2 h 04 min
